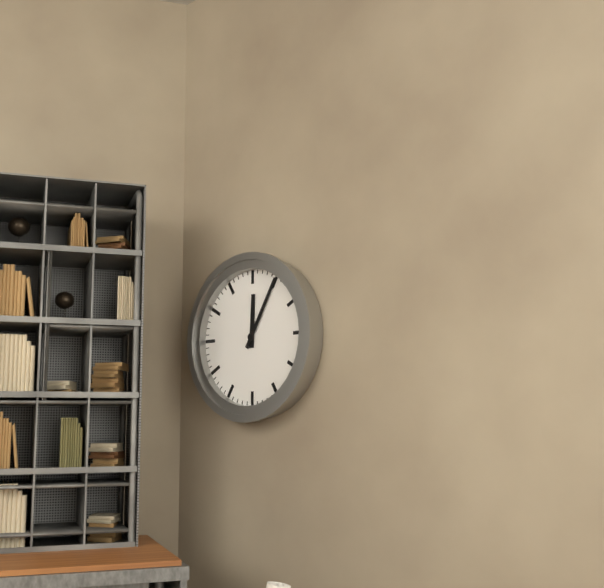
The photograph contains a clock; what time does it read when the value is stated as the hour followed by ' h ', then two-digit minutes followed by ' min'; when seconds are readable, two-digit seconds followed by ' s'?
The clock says 12 h 05 min
